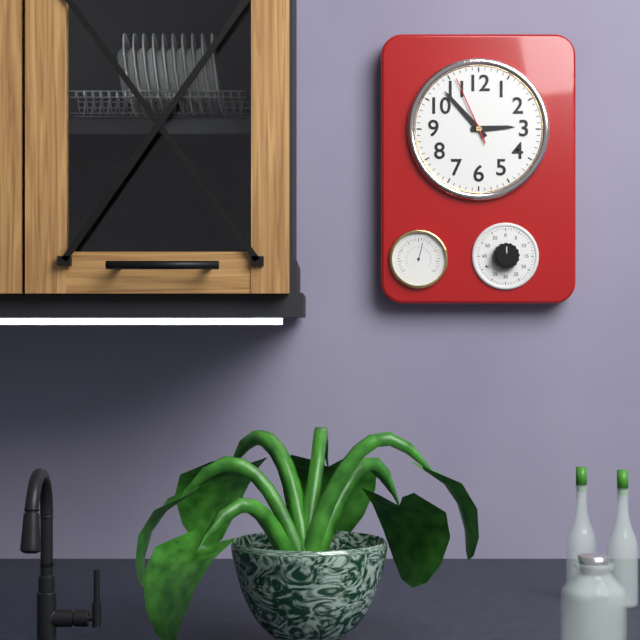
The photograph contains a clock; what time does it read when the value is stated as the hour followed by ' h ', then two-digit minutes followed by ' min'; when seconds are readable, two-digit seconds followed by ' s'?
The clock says 2 h 53 min 56 s
